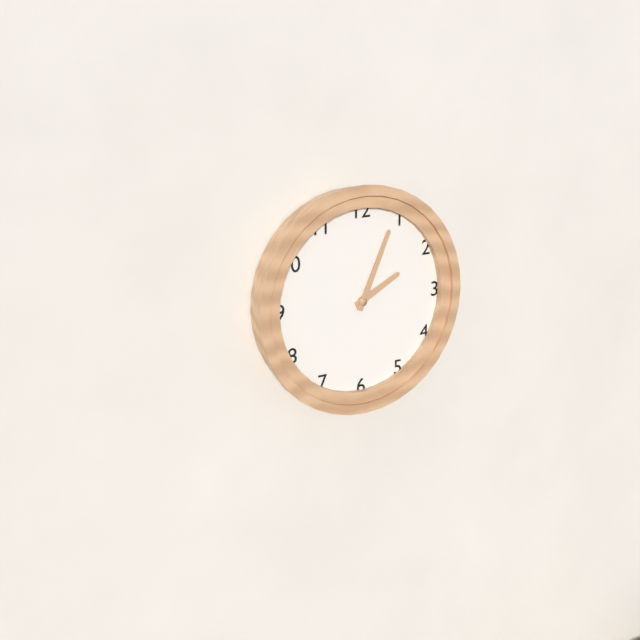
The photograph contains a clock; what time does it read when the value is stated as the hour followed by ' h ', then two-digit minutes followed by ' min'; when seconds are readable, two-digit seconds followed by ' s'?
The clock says 2 h 04 min
